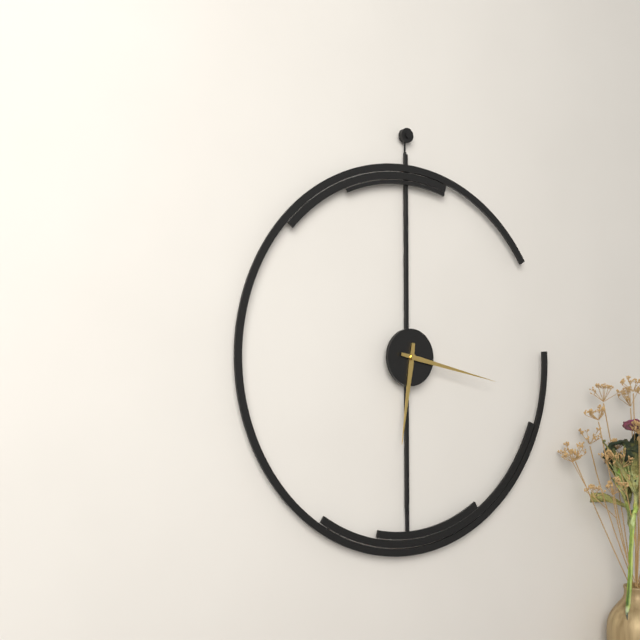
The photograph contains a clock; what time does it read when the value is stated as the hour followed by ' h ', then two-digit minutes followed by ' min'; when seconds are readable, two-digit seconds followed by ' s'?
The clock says 6 h 17 min
